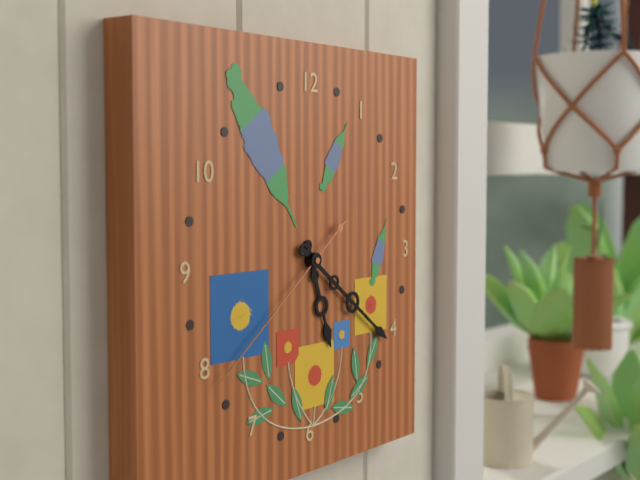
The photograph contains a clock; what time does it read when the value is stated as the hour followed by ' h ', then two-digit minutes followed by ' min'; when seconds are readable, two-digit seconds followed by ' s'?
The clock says 5 h 21 min 39 s
